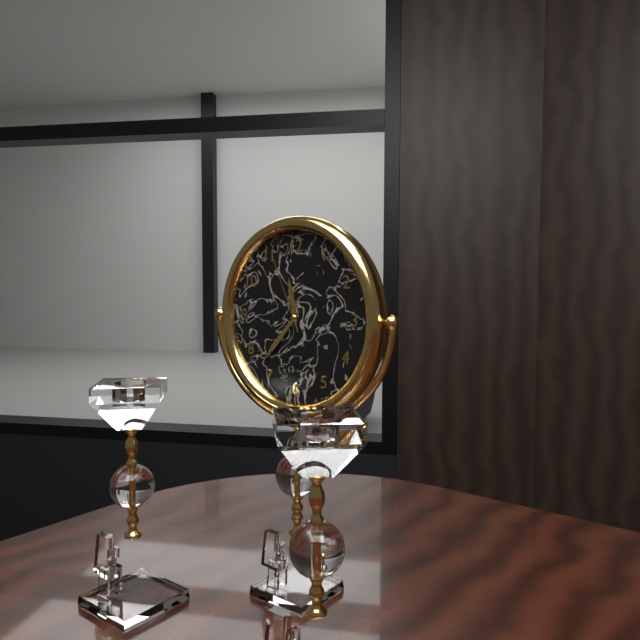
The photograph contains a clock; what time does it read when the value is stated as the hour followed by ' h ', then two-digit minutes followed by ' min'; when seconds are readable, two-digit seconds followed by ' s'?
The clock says 11 h 37 min 56 s
